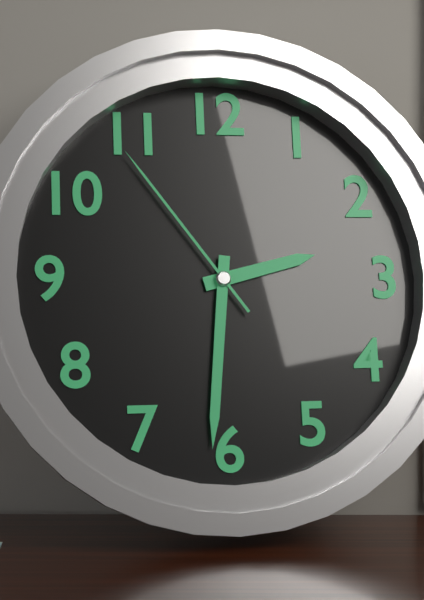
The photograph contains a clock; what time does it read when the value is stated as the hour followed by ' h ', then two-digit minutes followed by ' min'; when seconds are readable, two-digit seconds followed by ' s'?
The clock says 2 h 31 min 54 s
